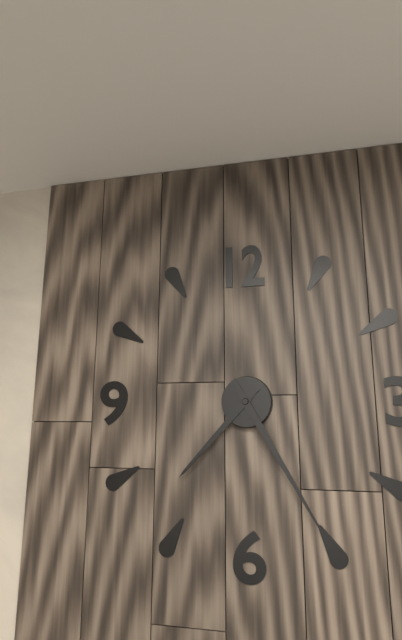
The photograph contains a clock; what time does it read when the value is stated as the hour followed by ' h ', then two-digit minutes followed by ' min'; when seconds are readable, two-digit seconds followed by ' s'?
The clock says 7 h 25 min
